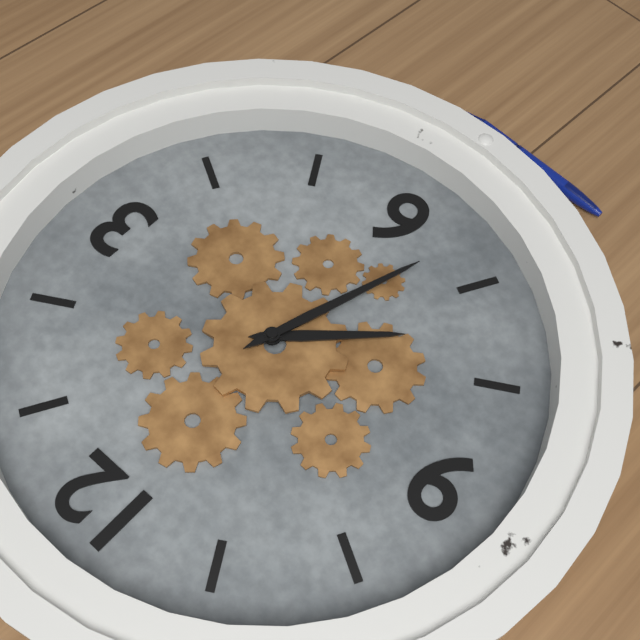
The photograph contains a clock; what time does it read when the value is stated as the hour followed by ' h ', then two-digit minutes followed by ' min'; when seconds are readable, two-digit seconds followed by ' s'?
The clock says 7 h 33 min
